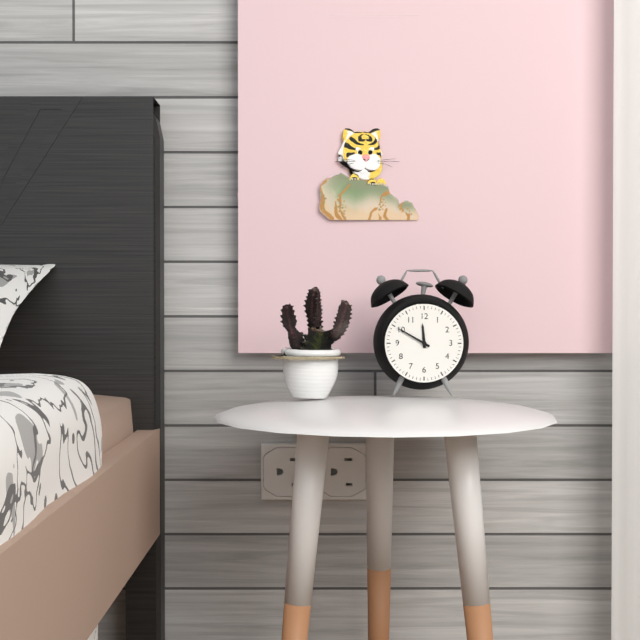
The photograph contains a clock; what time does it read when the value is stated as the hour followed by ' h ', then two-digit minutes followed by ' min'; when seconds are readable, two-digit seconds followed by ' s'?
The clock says 11 h 50 min
